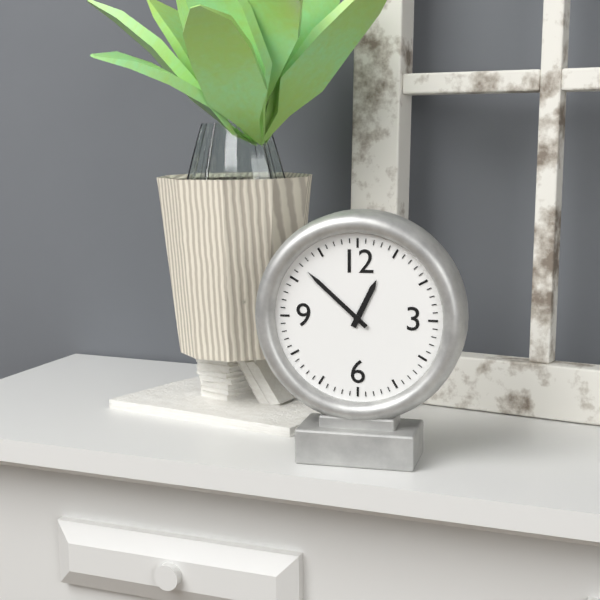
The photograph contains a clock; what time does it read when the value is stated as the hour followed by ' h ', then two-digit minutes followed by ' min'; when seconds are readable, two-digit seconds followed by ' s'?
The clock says 12 h 52 min
